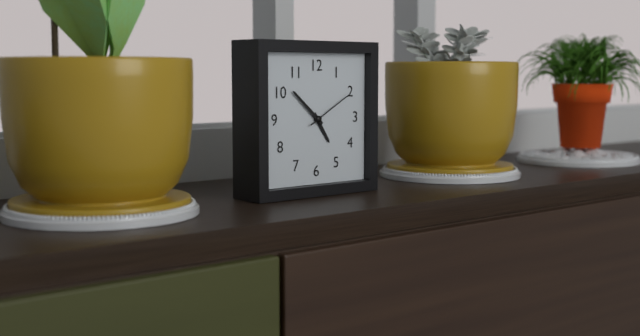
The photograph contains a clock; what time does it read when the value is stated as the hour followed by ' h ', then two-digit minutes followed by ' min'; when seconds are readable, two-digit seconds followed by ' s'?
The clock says 4 h 52 min
